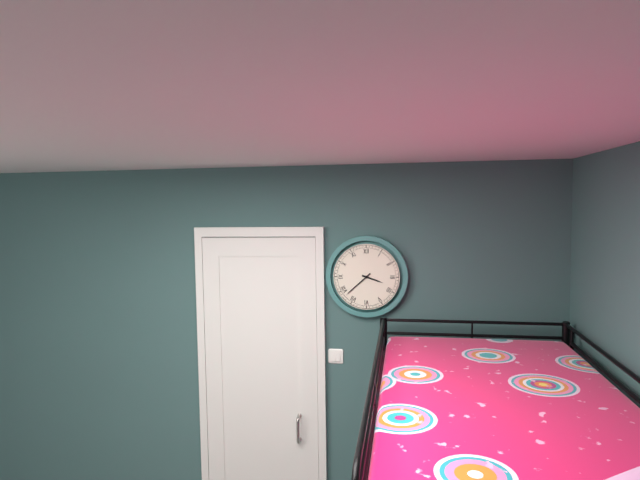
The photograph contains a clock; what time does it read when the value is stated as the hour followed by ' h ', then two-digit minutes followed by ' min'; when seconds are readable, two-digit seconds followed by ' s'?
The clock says 3 h 38 min
